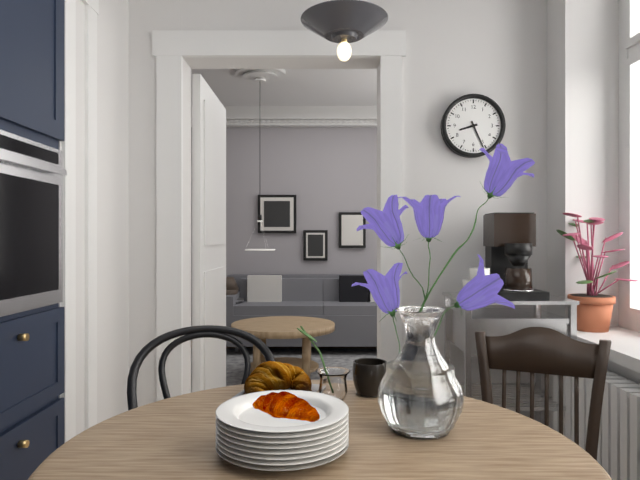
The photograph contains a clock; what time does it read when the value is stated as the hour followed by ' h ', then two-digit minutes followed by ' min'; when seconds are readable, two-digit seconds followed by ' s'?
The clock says 8 h 26 min
